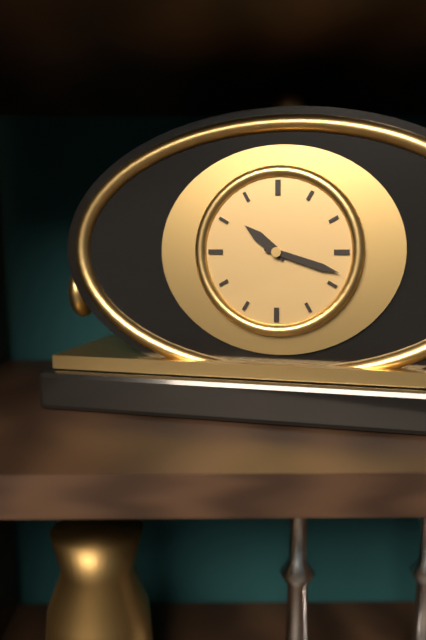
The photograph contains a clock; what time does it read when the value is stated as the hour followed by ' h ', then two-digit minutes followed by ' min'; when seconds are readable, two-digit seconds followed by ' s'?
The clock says 10 h 18 min
